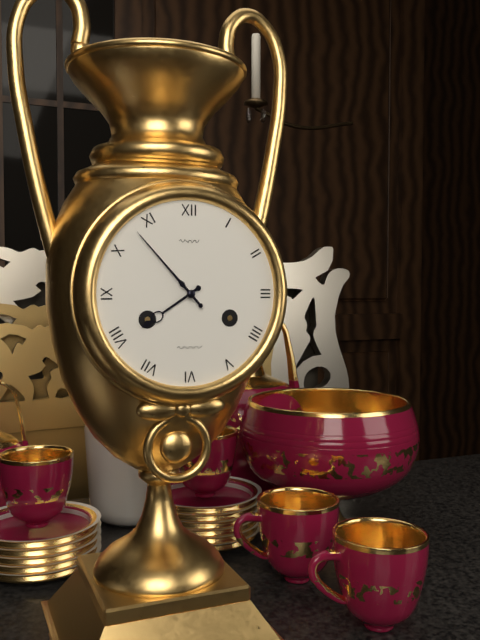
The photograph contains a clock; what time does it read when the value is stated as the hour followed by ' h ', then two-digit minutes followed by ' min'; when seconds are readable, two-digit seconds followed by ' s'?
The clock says 7 h 53 min
